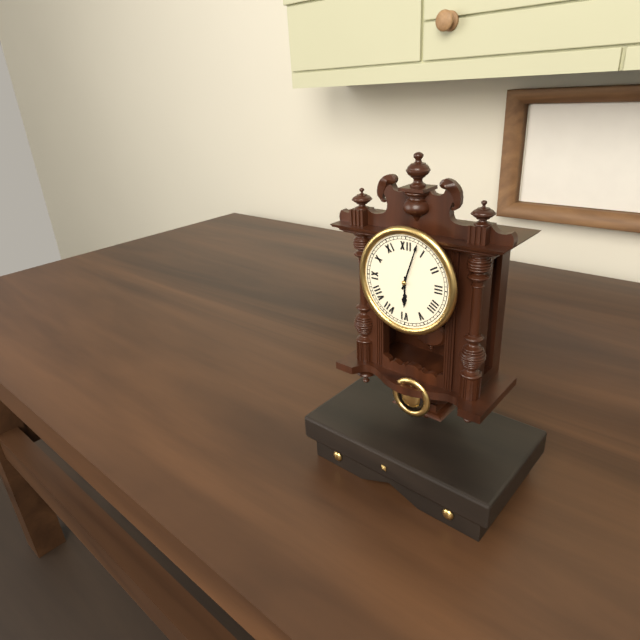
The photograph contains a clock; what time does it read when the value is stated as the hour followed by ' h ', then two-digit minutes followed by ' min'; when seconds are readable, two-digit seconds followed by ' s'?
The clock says 6 h 03 min
